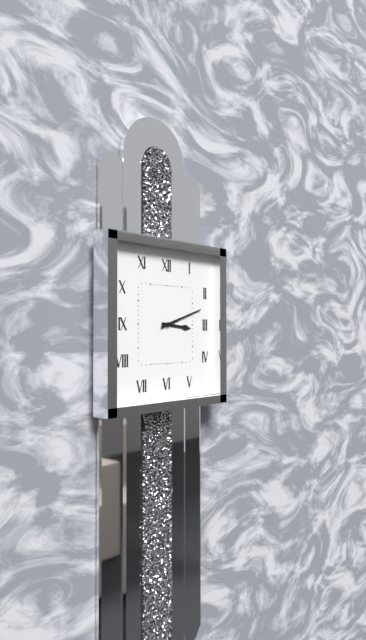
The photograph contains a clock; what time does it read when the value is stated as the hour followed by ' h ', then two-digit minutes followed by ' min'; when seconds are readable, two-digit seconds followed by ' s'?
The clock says 3 h 12 min
